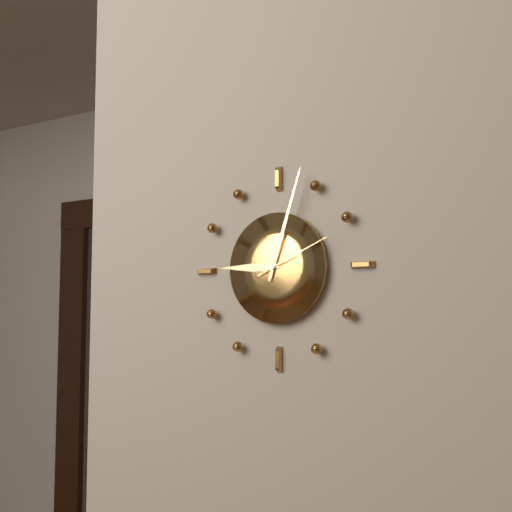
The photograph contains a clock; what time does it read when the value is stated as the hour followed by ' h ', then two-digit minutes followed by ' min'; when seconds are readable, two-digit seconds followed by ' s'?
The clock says 9 h 03 min 11 s
